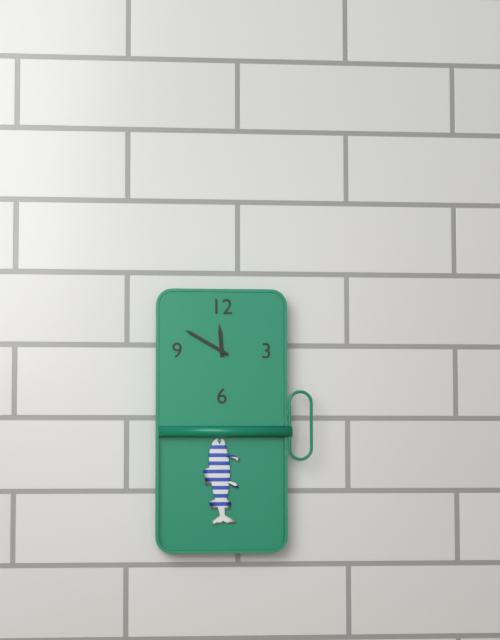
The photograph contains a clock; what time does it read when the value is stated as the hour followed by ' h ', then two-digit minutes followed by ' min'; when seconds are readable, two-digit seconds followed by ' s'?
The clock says 11 h 50 min
